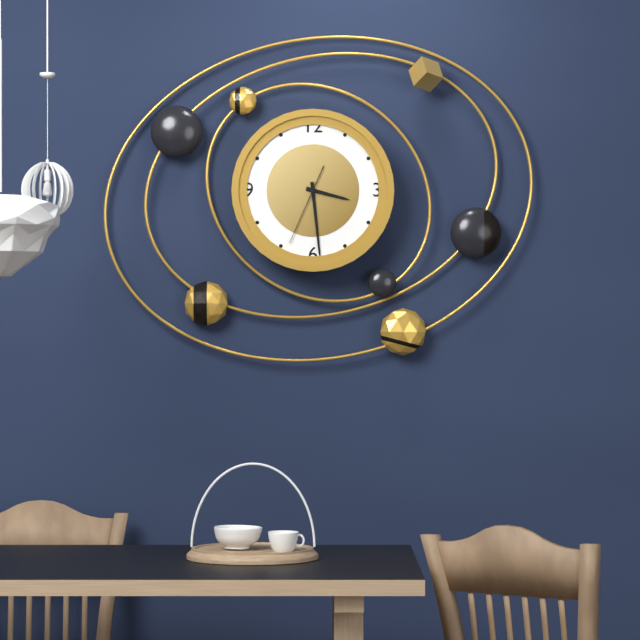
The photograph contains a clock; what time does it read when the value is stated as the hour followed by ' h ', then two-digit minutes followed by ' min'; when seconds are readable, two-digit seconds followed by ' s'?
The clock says 3 h 29 min 34 s
